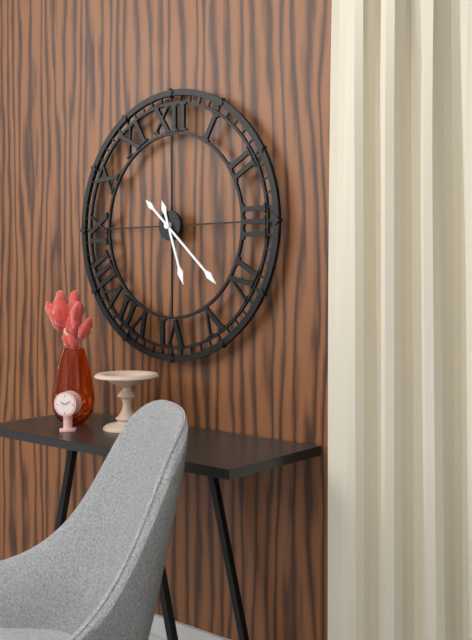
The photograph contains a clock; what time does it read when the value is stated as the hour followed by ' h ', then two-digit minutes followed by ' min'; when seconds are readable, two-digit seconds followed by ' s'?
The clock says 5 h 22 min
